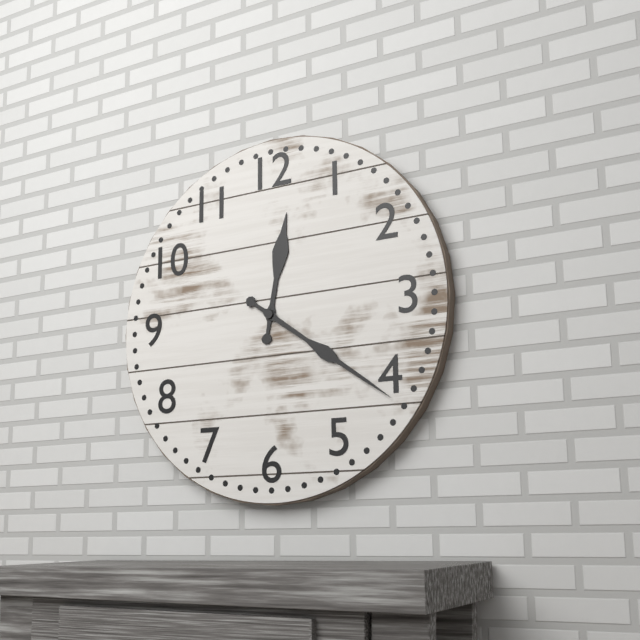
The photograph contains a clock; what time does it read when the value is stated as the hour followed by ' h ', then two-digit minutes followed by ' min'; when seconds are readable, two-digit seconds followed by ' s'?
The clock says 12 h 21 min
